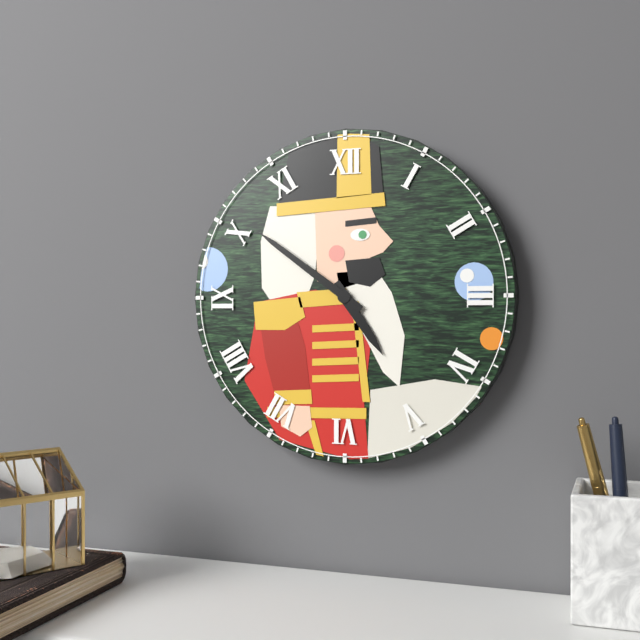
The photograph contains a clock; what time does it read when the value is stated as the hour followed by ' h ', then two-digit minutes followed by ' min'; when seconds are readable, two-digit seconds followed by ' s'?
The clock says 4 h 51 min
